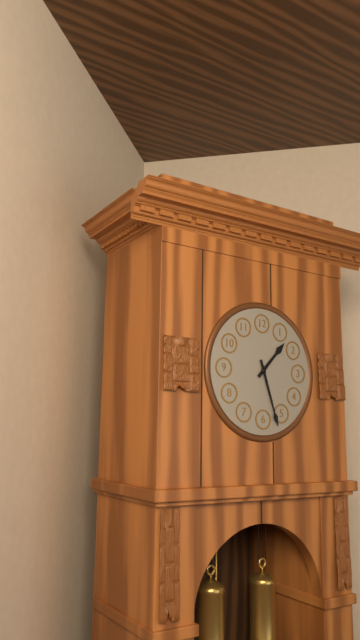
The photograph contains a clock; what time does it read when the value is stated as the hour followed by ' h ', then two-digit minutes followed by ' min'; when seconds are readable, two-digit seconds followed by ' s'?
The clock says 1 h 27 min
